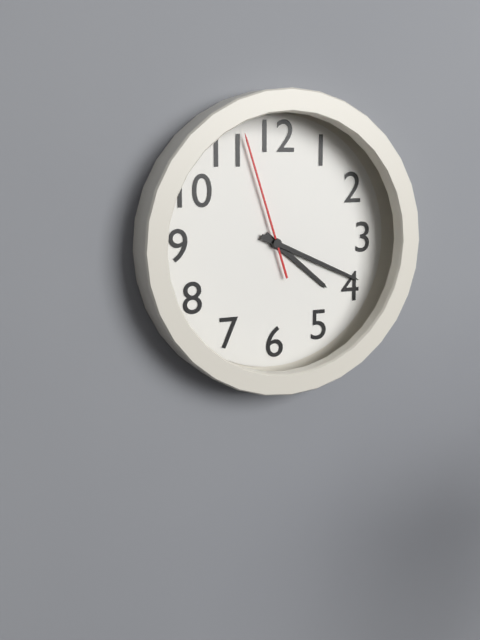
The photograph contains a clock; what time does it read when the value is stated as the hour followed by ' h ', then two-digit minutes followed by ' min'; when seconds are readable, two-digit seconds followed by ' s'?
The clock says 4 h 19 min 57 s
